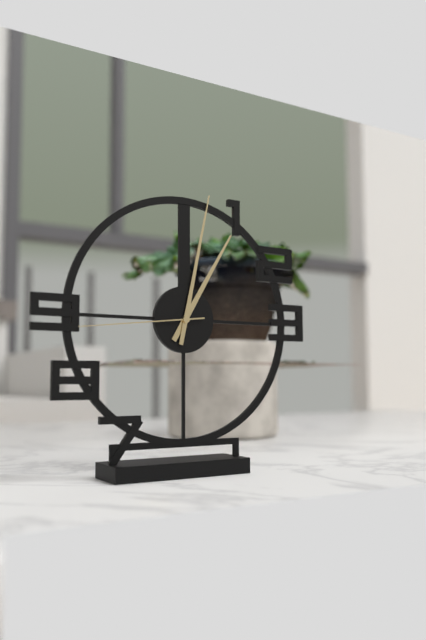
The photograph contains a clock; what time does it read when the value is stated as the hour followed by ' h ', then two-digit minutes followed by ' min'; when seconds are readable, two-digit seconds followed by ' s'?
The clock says 1 h 02 min 44 s
